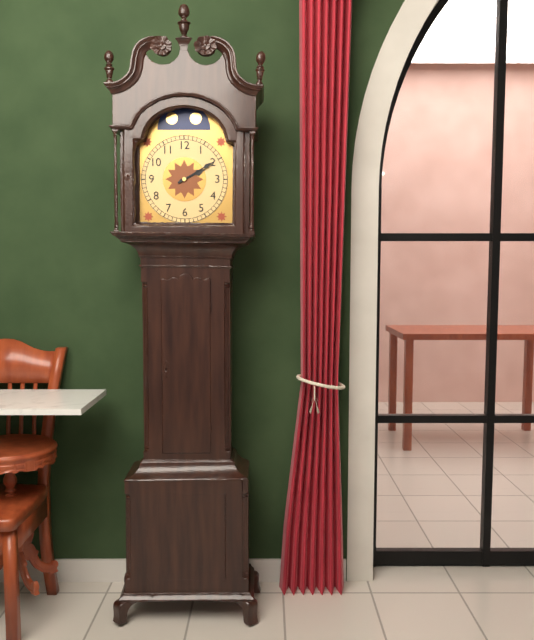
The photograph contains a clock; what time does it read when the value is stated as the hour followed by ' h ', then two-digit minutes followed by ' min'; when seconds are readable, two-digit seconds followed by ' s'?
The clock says 2 h 10 min
